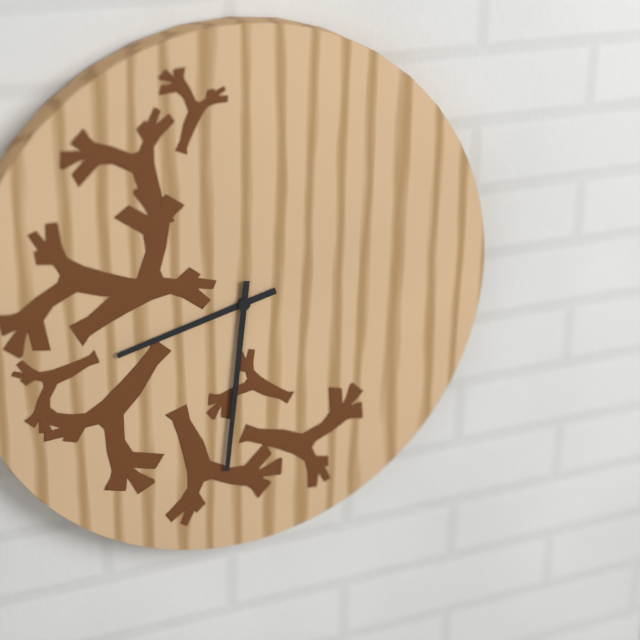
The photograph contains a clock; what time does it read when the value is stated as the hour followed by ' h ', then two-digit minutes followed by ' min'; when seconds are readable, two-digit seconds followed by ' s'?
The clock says 8 h 31 min
